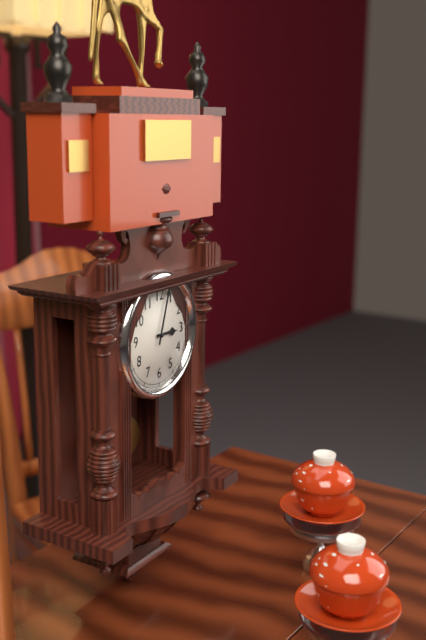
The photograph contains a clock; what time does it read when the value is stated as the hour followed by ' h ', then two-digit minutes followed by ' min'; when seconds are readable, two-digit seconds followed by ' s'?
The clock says 3 h 03 min
